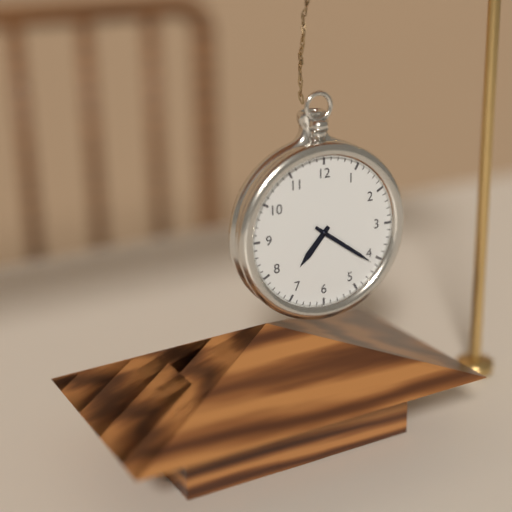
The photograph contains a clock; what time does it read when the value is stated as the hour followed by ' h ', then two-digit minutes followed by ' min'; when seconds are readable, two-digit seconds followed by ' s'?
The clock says 7 h 21 min
